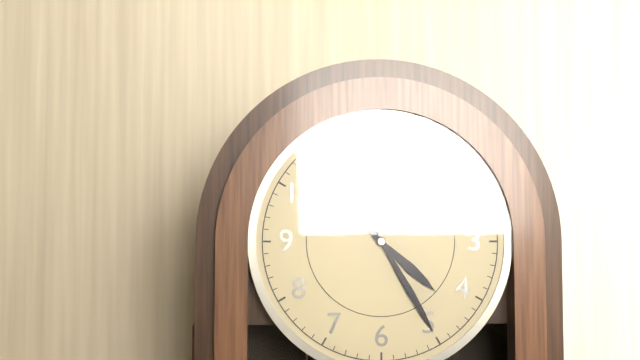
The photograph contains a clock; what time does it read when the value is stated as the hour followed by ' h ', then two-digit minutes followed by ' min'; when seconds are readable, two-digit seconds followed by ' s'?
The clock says 4 h 25 min
